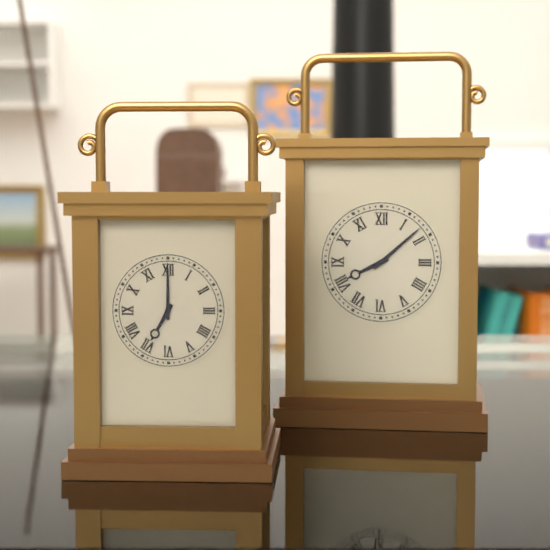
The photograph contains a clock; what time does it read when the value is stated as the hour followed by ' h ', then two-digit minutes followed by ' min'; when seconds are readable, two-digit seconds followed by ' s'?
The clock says 8 h 08 min
